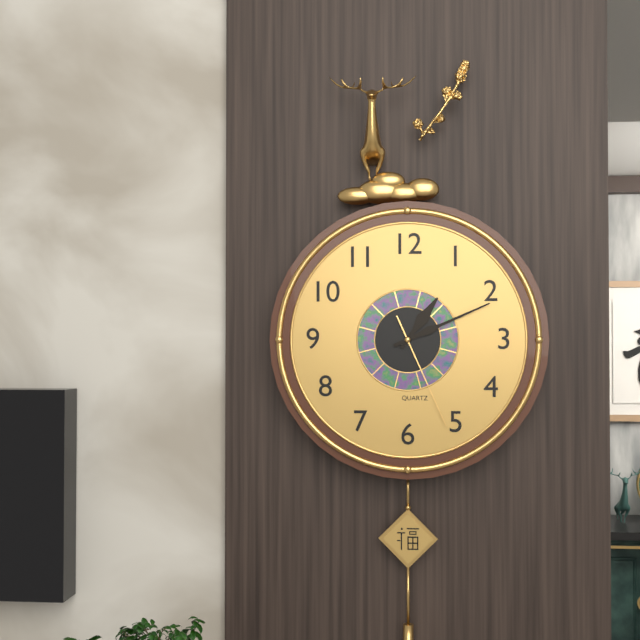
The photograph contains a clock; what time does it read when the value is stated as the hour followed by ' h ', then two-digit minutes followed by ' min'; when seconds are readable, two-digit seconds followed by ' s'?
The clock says 1 h 11 min 26 s
